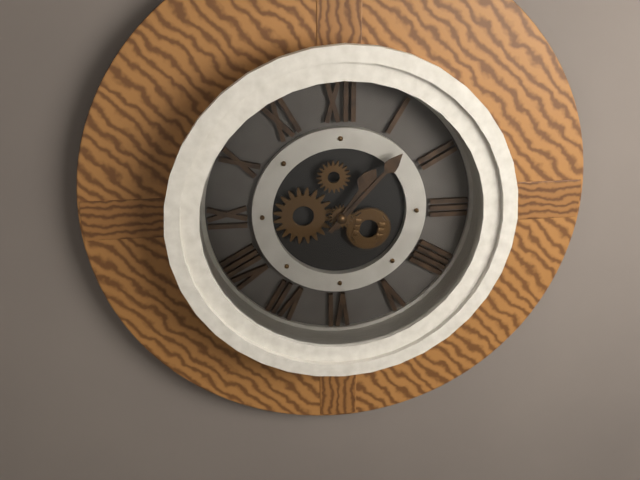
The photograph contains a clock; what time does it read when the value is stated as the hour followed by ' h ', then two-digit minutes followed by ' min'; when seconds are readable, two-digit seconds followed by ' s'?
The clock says 1 h 07 min
